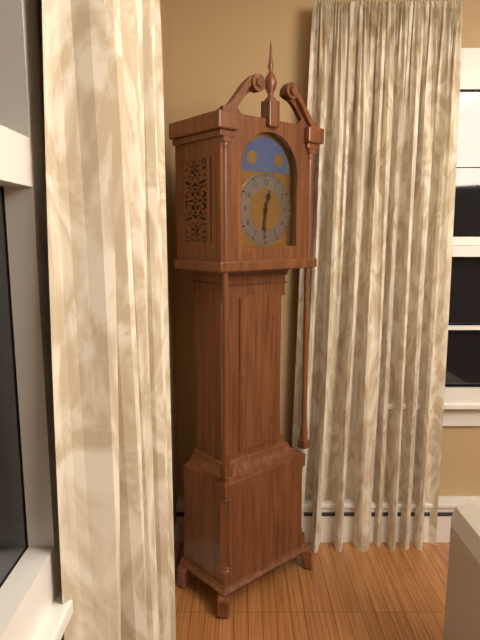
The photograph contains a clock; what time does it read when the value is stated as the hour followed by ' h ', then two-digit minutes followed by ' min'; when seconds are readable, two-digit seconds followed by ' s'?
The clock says 12 h 31 min
